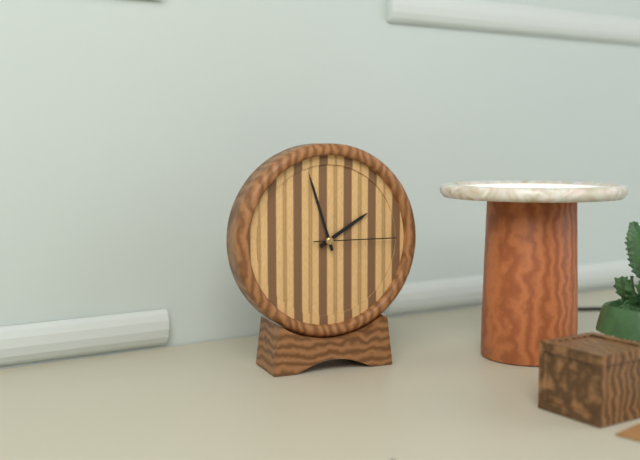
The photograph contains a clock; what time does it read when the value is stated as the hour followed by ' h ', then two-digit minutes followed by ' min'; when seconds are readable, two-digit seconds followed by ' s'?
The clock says 1 h 57 min 15 s
